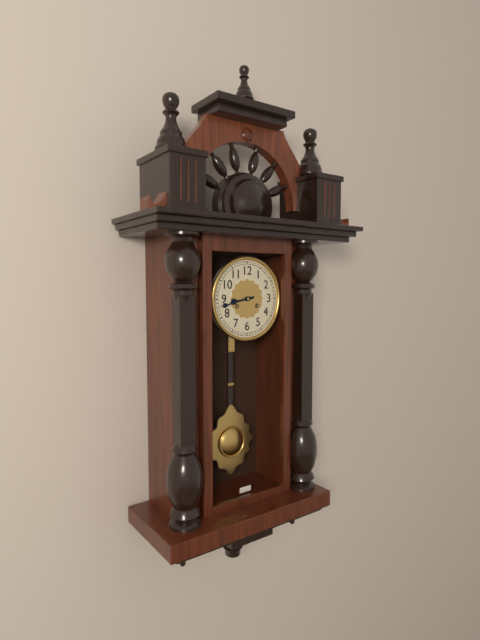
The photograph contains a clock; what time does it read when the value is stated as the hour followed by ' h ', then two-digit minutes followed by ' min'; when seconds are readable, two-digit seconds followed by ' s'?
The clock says 8 h 43 min
